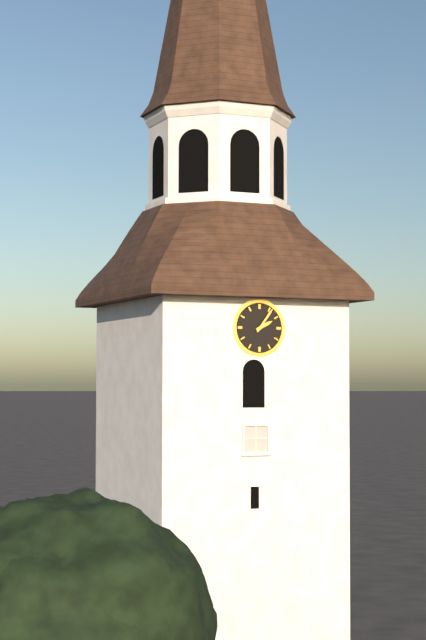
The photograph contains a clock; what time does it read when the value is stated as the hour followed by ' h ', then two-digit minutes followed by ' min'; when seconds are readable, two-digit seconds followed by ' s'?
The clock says 2 h 06 min
